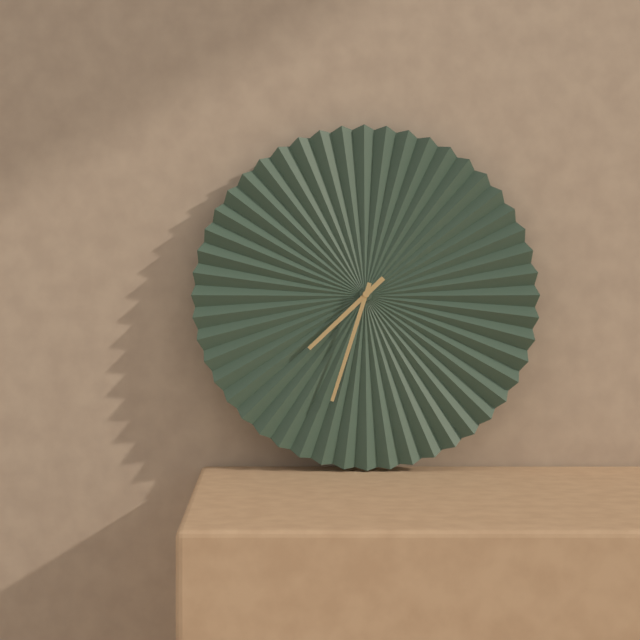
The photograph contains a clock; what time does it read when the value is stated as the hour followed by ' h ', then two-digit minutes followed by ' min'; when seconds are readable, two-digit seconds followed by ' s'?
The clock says 7 h 33 min
